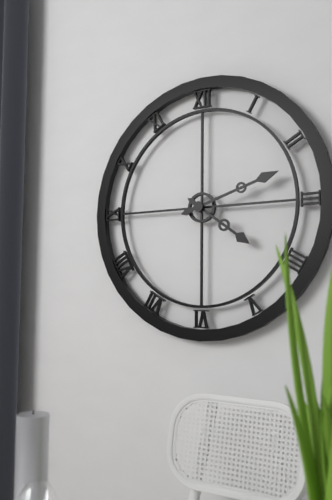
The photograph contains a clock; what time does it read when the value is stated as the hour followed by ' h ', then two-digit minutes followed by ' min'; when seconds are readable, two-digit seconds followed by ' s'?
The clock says 4 h 12 min
